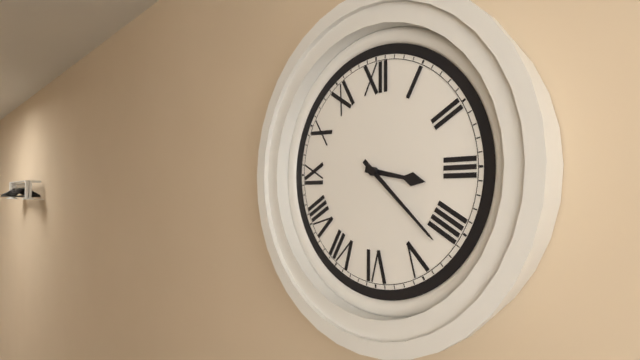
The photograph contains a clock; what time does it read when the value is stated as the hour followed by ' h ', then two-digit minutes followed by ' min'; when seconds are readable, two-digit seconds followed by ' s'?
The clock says 3 h 22 min
